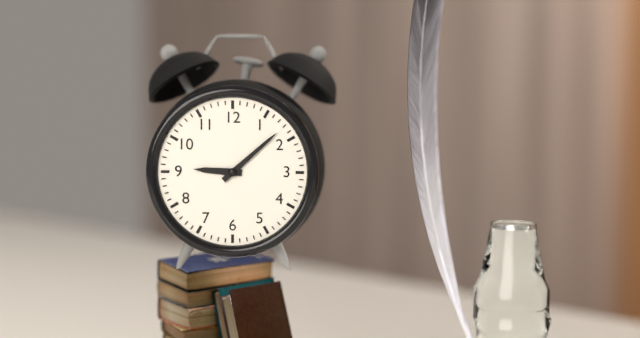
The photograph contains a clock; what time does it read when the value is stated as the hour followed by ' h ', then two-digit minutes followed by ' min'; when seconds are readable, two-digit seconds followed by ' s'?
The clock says 9 h 08 min
